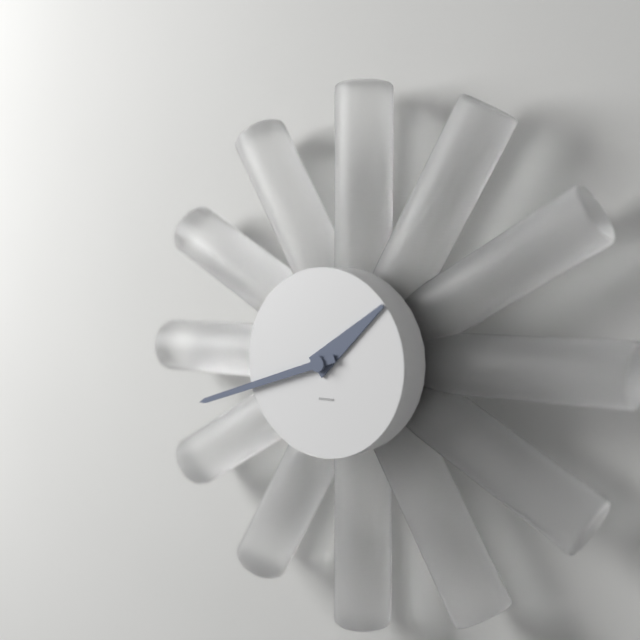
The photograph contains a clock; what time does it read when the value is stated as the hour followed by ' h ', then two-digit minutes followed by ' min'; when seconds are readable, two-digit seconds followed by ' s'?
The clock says 1 h 42 min
